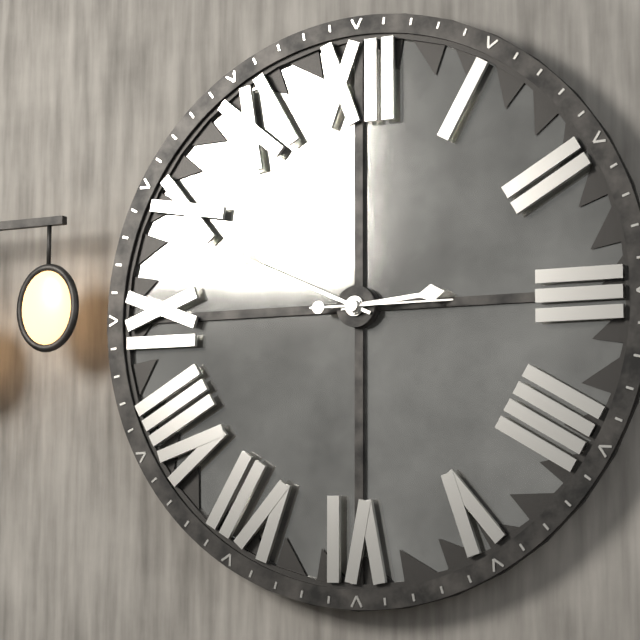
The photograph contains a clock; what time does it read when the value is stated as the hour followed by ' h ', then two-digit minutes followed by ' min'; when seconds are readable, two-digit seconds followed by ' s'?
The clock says 2 h 49 min 15 s
